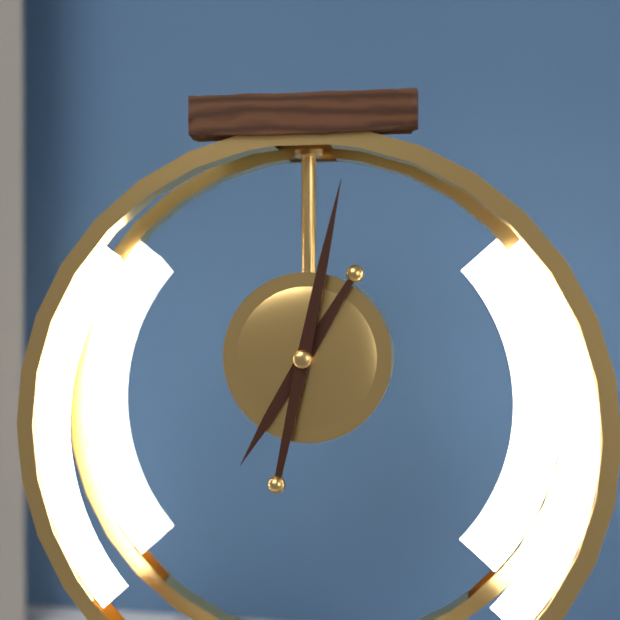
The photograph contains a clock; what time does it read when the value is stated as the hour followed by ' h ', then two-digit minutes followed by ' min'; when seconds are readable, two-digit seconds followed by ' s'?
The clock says 7 h 02 min
